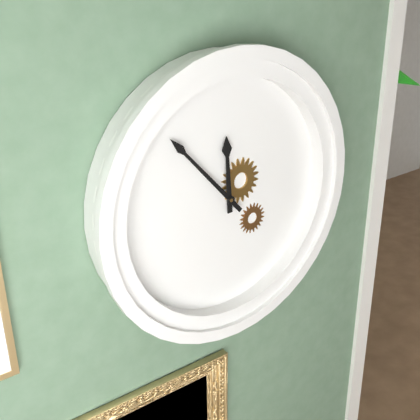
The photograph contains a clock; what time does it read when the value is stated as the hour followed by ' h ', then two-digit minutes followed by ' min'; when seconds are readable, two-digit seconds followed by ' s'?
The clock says 11 h 53 min
